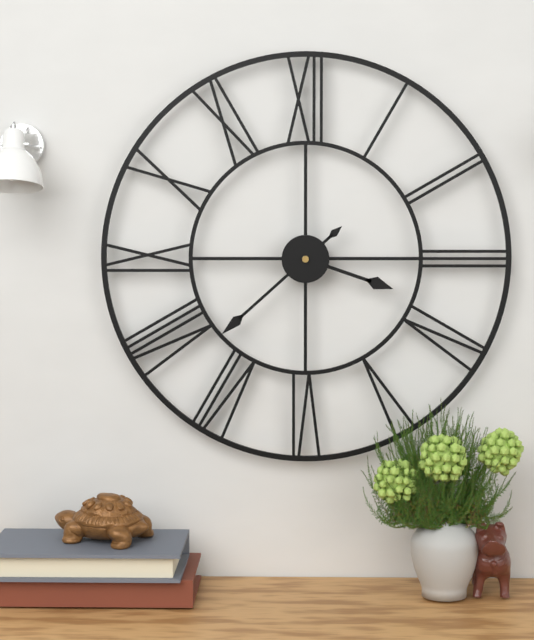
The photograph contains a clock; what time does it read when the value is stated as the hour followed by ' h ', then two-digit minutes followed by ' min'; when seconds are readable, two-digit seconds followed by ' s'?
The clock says 3 h 38 min
